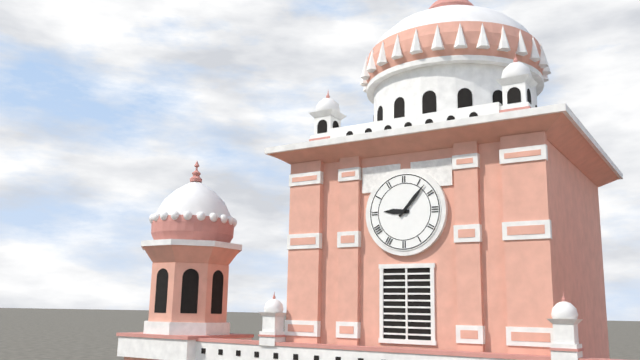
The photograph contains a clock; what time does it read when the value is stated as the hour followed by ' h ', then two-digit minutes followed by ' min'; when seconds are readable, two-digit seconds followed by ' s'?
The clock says 9 h 07 min
